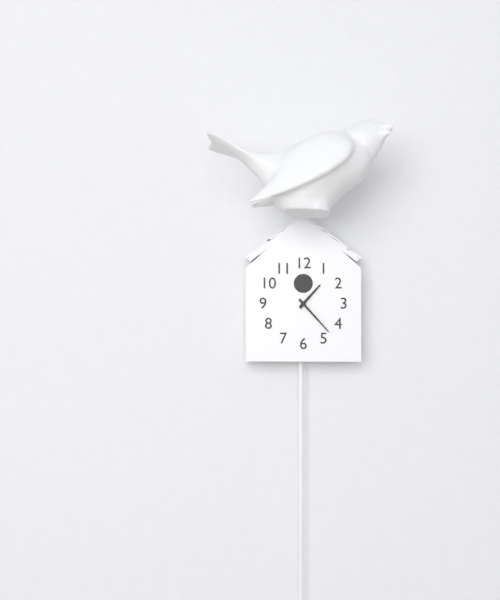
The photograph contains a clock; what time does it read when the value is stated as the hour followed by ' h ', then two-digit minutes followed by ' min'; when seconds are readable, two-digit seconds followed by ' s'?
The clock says 1 h 23 min
